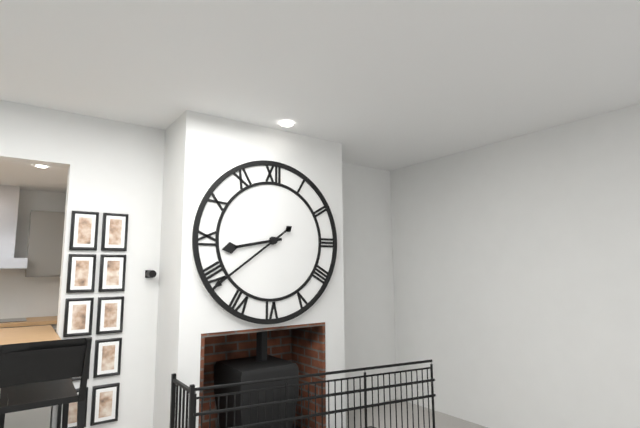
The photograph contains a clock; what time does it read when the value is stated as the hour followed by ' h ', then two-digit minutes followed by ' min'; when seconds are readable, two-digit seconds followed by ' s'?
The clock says 8 h 39 min
